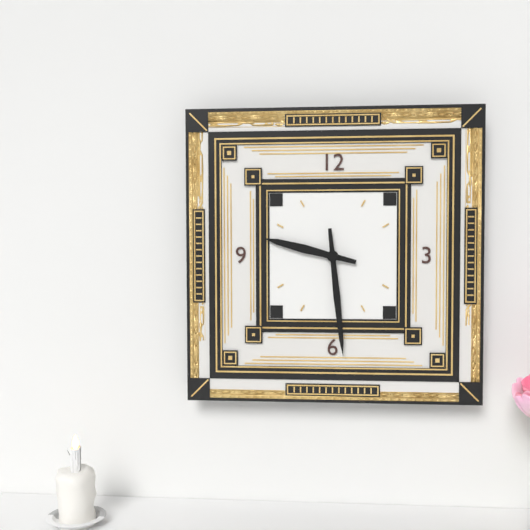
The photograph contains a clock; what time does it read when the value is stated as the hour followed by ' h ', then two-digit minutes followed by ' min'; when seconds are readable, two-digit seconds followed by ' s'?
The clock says 9 h 29 min
